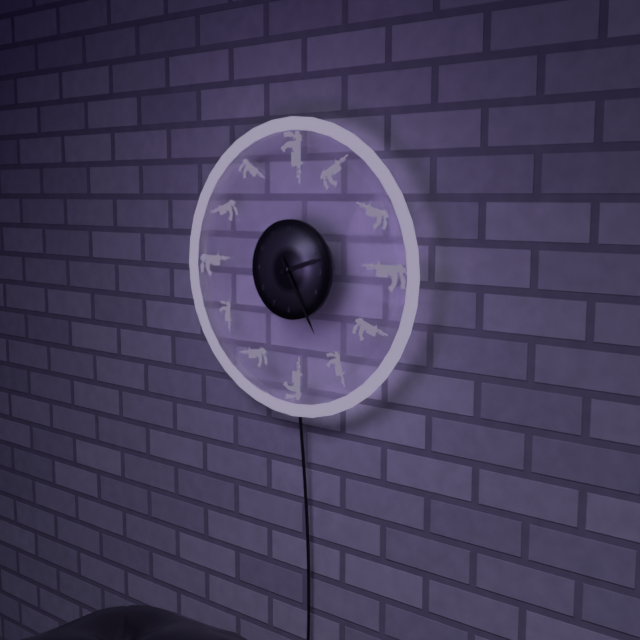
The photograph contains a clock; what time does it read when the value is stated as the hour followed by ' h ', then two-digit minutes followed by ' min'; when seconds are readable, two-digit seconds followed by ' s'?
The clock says 2 h 25 min
